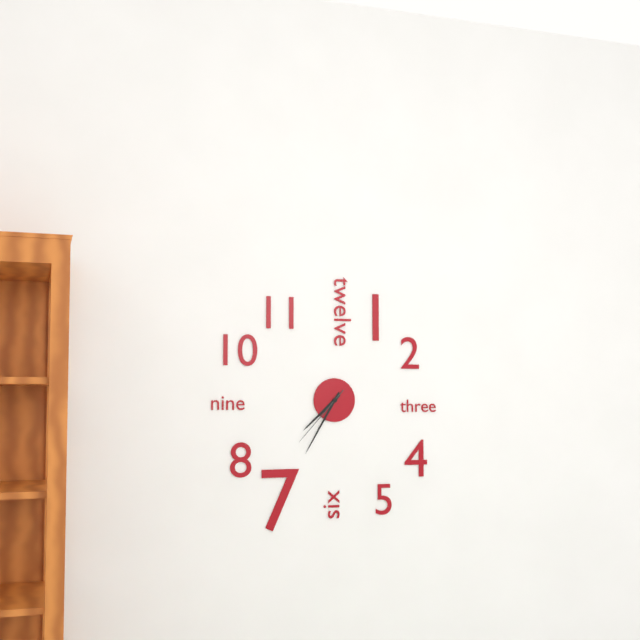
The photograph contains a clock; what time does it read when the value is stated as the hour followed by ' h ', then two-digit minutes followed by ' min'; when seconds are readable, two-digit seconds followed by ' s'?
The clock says 7 h 35 min 37 s
